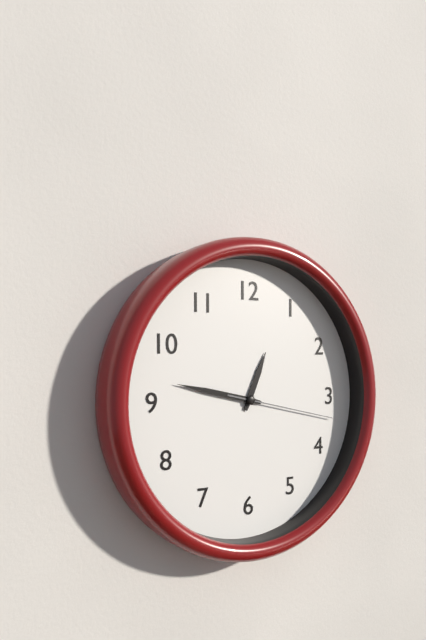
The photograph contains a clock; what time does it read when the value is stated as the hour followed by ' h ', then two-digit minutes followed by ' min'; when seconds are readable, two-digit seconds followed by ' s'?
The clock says 12 h 47 min 17 s
